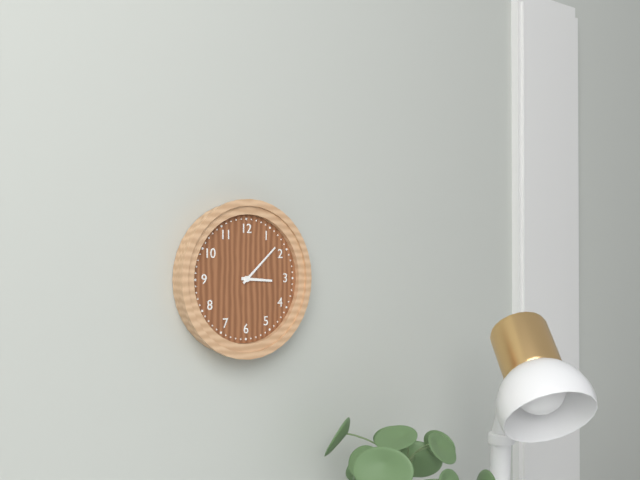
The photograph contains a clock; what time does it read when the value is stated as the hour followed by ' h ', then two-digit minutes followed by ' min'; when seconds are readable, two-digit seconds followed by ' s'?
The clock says 3 h 08 min
